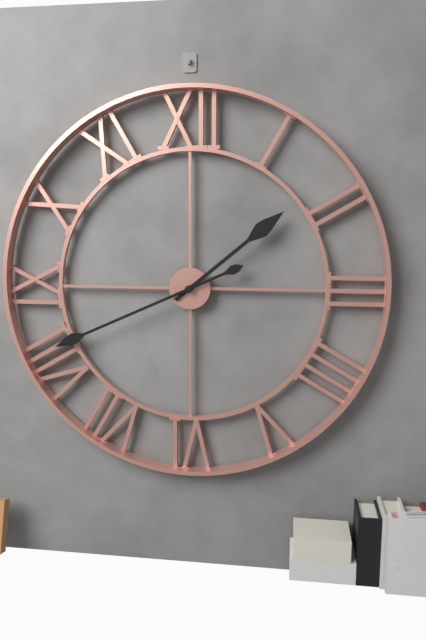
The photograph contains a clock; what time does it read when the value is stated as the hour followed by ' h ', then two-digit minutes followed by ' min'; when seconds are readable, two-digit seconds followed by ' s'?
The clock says 1 h 41 min
